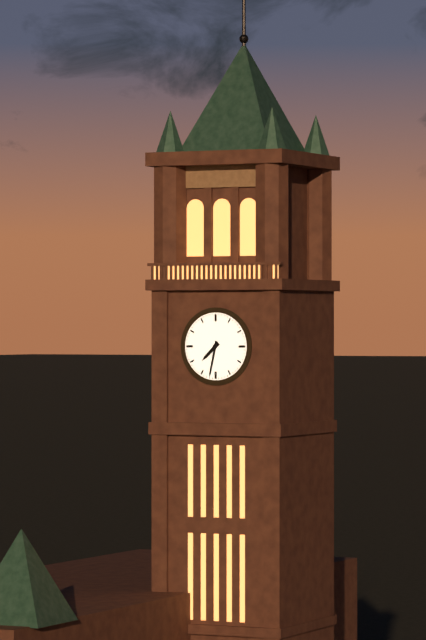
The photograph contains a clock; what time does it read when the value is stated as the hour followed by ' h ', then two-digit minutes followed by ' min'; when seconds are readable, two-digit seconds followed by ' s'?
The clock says 7 h 32 min
